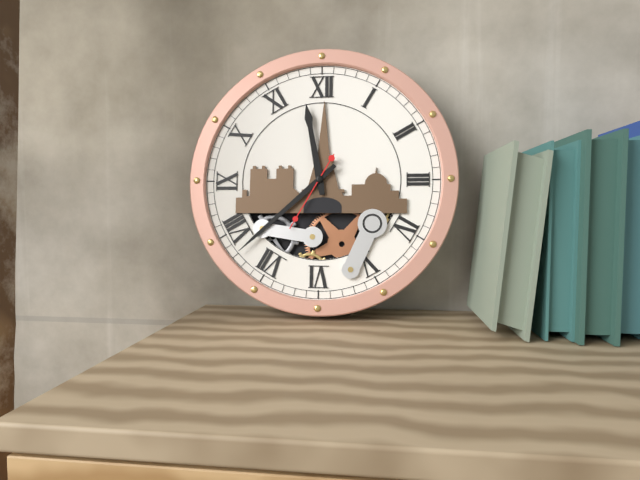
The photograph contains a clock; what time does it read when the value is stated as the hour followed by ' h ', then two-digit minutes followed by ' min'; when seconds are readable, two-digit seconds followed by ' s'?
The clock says 11 h 38 min 35 s
